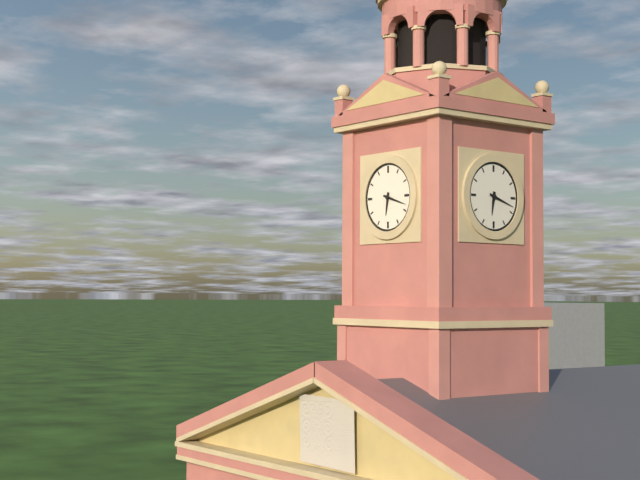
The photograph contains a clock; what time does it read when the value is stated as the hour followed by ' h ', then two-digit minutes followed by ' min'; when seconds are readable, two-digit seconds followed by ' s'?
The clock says 6 h 18 min
